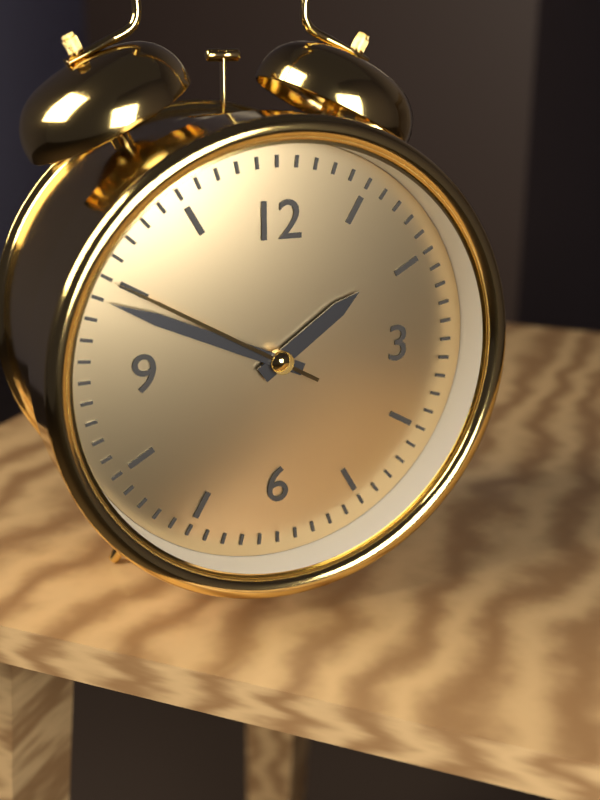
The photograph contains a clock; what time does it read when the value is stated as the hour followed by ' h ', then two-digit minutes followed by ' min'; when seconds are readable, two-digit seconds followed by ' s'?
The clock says 1 h 49 min 50 s
